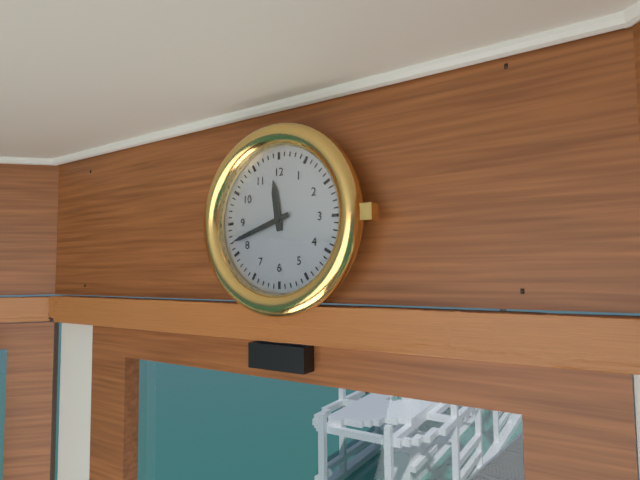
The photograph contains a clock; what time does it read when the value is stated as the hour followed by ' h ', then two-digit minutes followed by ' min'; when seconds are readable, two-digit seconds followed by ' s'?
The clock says 11 h 42 min
